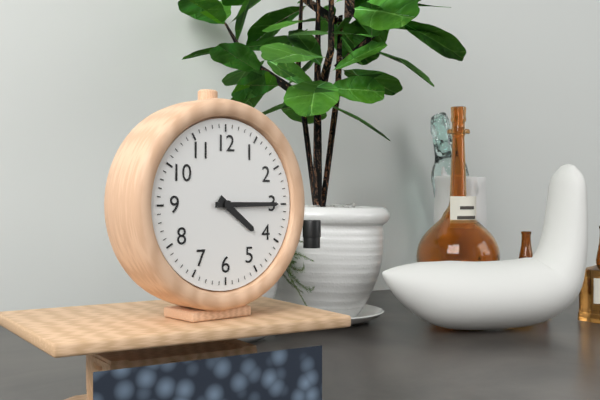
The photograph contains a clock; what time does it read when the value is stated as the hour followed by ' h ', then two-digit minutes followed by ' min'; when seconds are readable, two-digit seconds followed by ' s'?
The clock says 4 h 15 min
